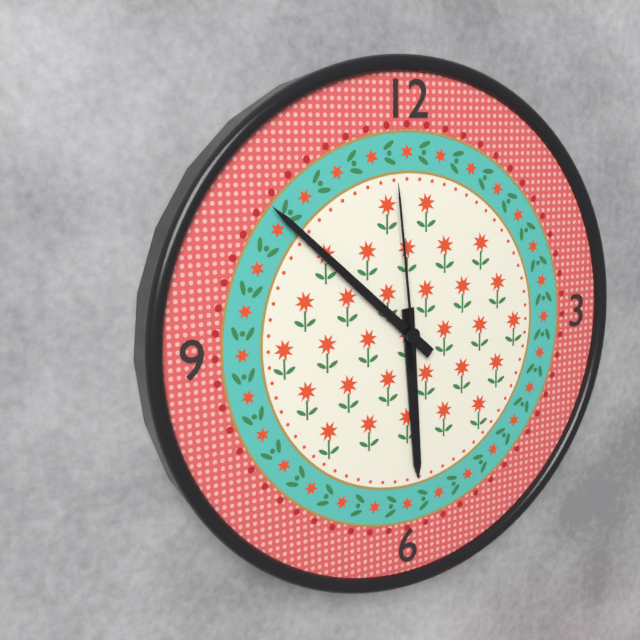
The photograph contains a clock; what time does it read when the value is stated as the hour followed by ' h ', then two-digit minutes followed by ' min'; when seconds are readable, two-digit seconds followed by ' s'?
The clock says 5 h 52 min 59 s
